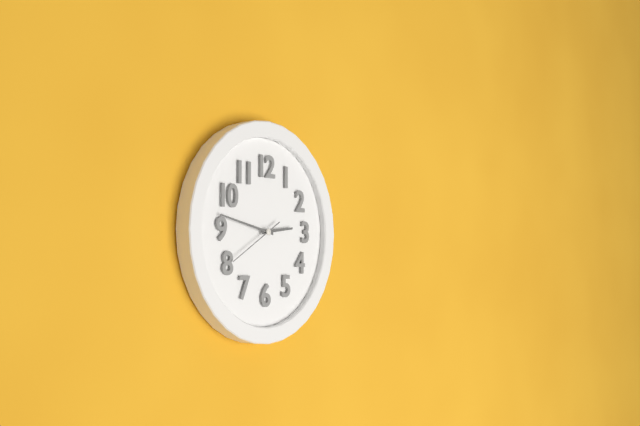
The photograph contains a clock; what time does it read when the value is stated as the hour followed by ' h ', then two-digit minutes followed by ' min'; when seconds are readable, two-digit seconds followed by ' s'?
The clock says 2 h 47 min 40 s
